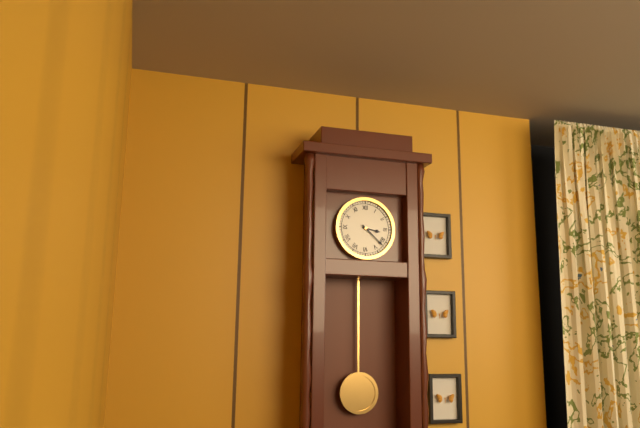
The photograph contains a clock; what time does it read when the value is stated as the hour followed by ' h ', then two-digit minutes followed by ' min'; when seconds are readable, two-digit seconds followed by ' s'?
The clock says 3 h 22 min
